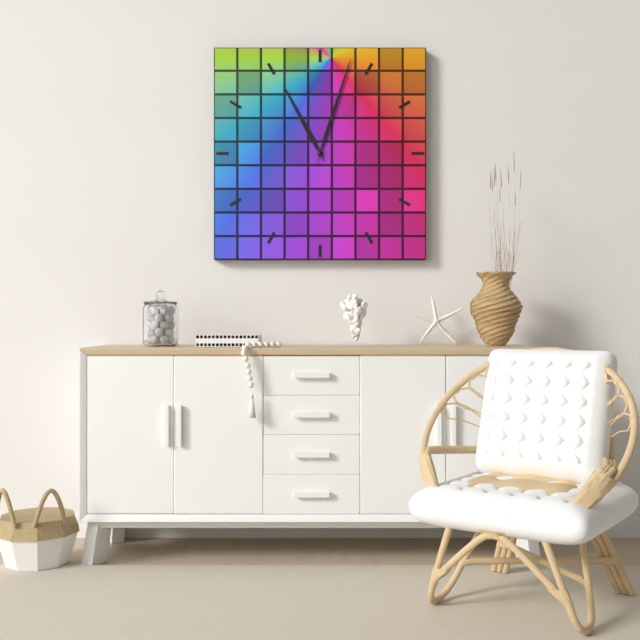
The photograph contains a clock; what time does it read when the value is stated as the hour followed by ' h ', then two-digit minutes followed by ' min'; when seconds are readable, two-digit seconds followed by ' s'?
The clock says 11 h 03 min
